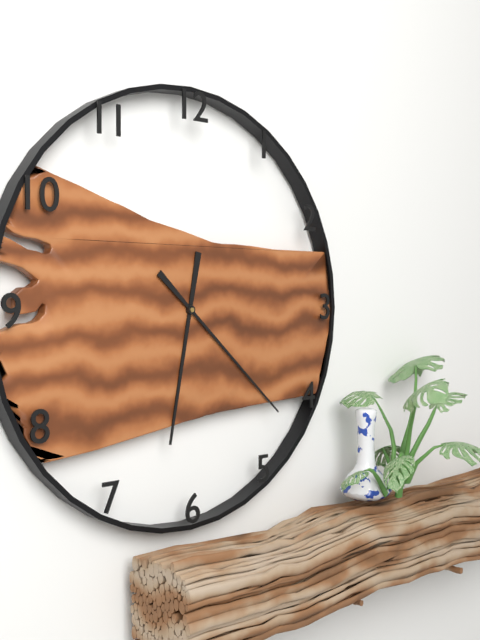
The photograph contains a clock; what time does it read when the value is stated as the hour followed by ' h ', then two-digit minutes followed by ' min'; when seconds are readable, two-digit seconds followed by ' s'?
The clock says 6 h 22 min
